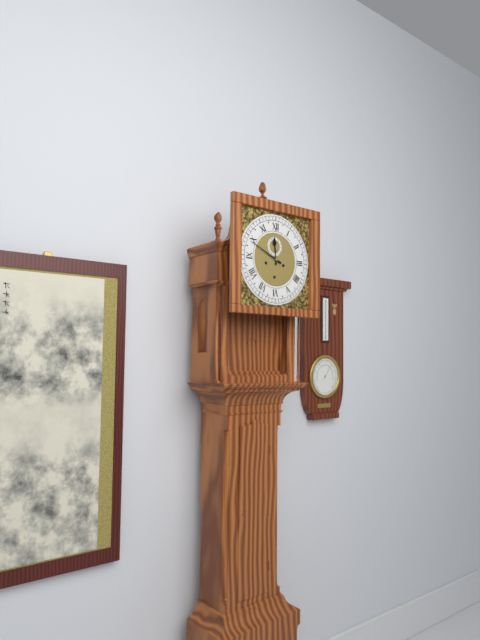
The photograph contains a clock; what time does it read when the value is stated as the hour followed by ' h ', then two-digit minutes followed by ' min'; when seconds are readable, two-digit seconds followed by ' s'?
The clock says 11 h 49 min
